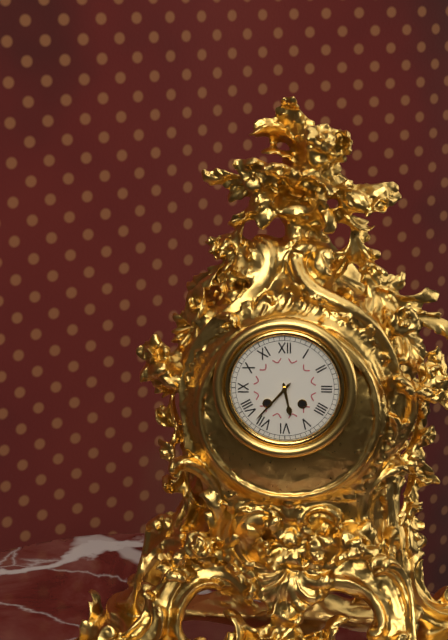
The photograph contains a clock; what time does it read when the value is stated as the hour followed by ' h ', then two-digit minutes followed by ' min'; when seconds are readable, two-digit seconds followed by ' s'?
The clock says 5 h 37 min
